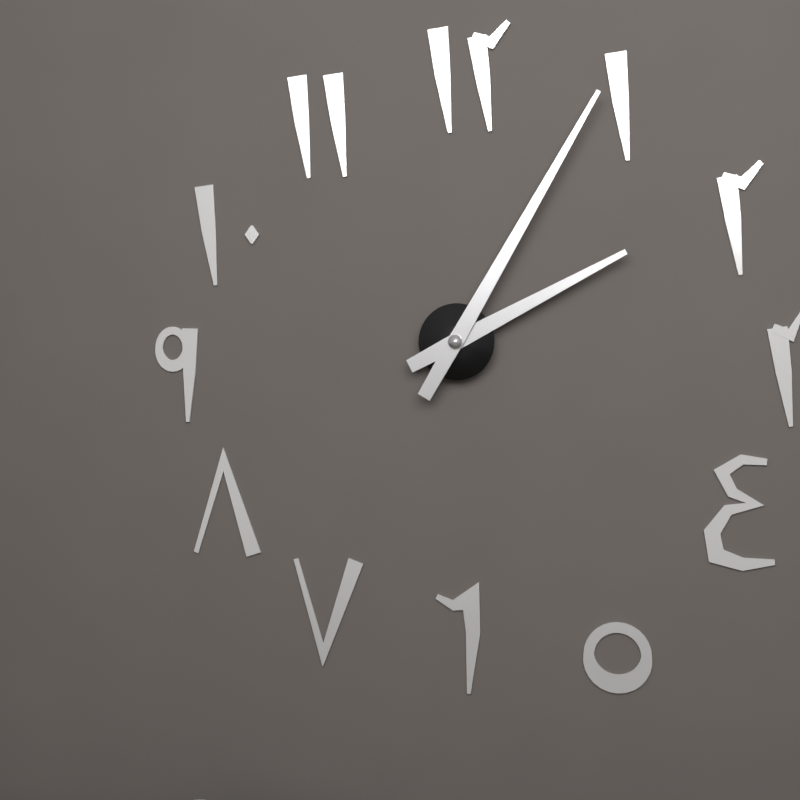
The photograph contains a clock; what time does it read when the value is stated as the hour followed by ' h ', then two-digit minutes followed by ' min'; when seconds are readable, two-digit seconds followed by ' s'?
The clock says 2 h 05 min
